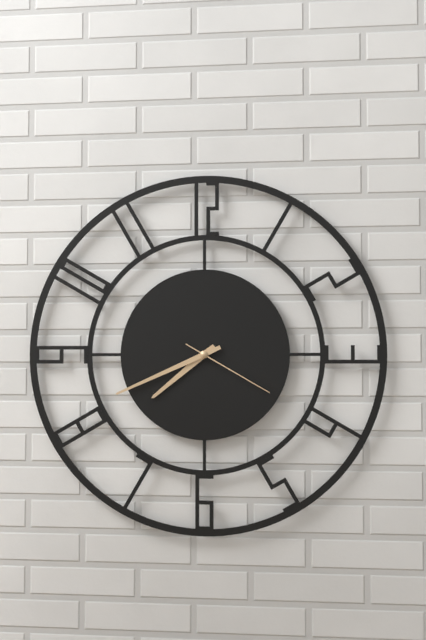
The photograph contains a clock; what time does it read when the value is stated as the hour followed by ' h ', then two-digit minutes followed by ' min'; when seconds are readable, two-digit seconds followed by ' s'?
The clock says 7 h 41 min 20 s
